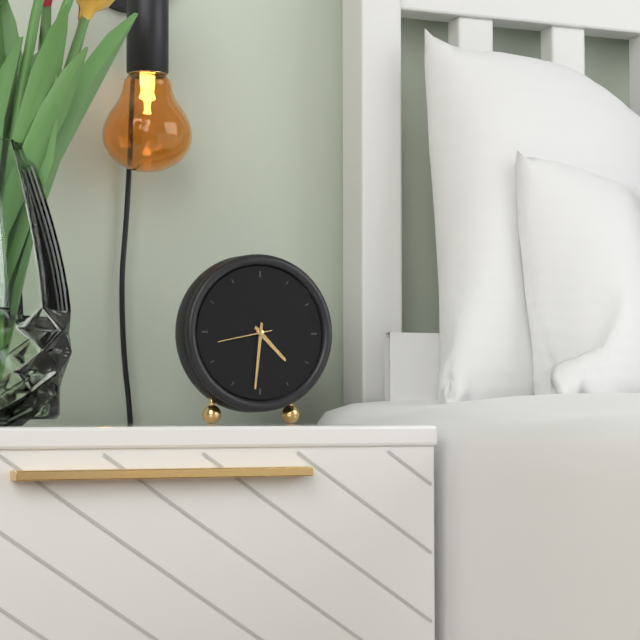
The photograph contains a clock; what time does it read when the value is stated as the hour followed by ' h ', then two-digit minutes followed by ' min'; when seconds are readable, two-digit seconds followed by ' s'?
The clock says 4 h 31 min 43 s
